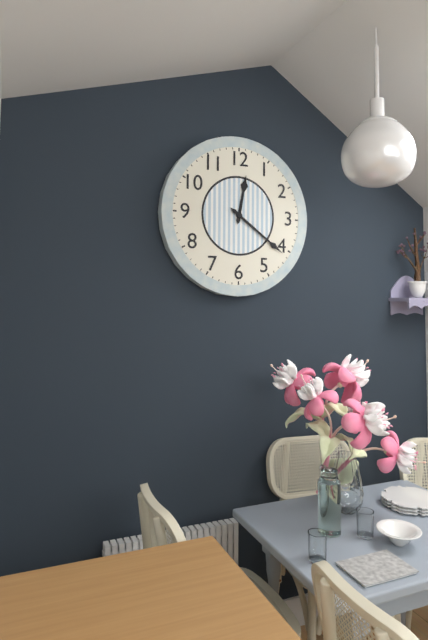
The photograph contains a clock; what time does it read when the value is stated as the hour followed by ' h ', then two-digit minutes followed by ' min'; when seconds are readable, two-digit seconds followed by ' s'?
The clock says 12 h 21 min
